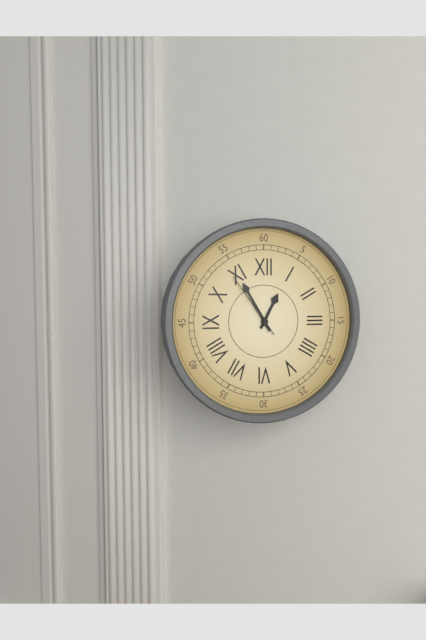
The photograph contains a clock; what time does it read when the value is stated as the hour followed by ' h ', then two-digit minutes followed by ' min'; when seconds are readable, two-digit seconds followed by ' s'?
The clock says 12 h 55 min 54 s
